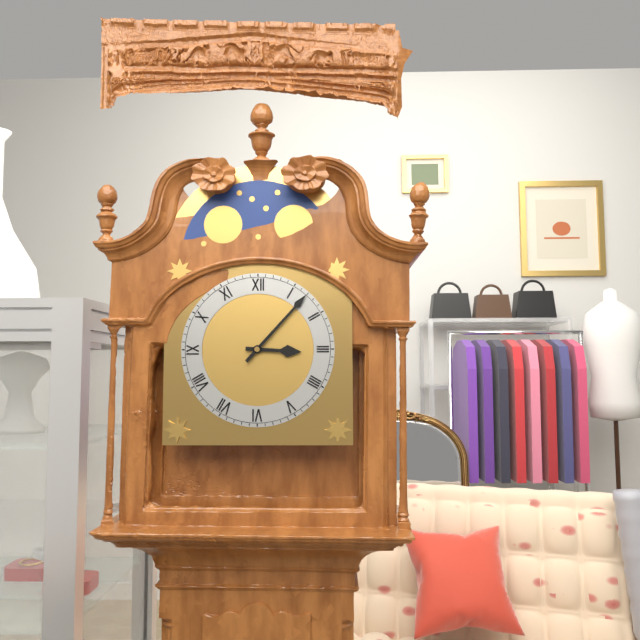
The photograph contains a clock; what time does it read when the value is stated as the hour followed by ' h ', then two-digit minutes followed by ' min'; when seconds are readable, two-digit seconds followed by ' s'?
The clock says 3 h 07 min
